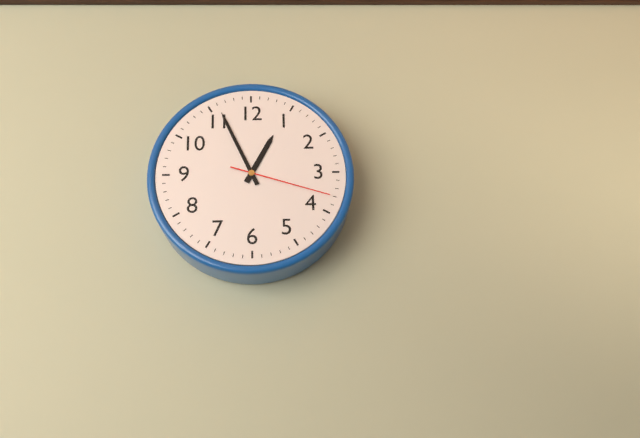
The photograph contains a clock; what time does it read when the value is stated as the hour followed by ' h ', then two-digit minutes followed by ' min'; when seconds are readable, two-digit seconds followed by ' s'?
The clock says 12 h 56 min 18 s
